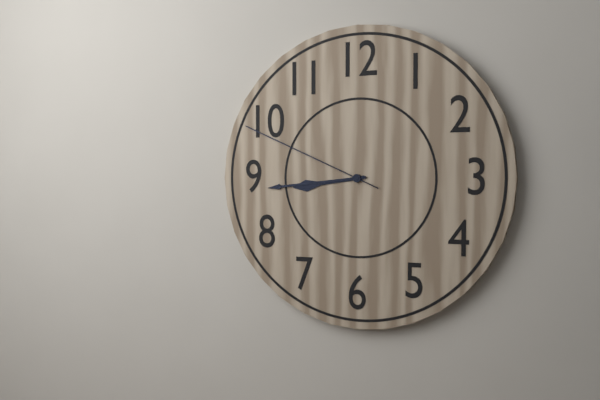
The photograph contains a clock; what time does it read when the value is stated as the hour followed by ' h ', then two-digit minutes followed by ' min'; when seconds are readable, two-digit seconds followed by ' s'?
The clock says 8 h 44 min 49 s
